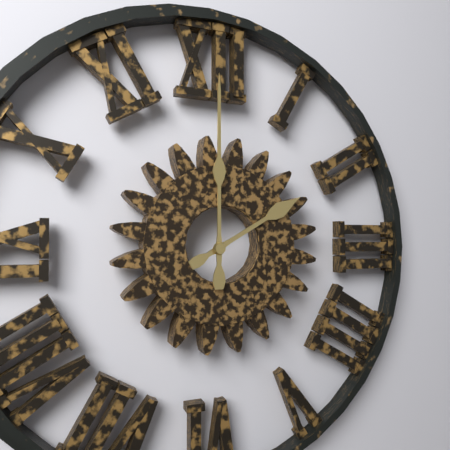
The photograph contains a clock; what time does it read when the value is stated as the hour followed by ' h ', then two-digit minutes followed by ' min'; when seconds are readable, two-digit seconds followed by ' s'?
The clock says 2 h 00 min
